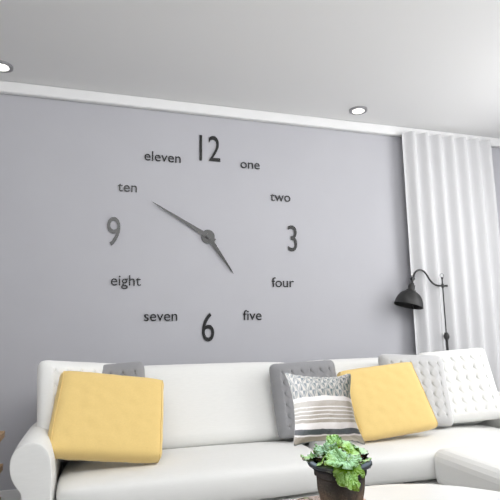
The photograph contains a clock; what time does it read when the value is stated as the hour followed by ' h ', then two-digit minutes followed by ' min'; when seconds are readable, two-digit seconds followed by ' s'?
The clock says 4 h 50 min
